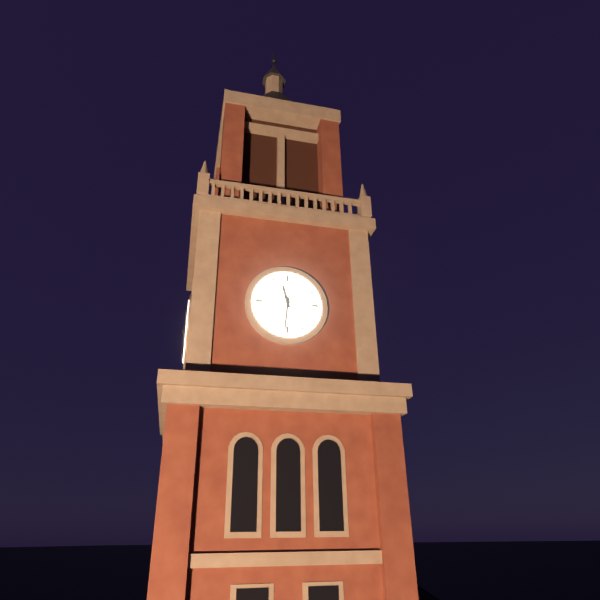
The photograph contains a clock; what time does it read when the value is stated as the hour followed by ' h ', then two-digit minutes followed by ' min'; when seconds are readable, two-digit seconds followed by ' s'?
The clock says 11 h 31 min
